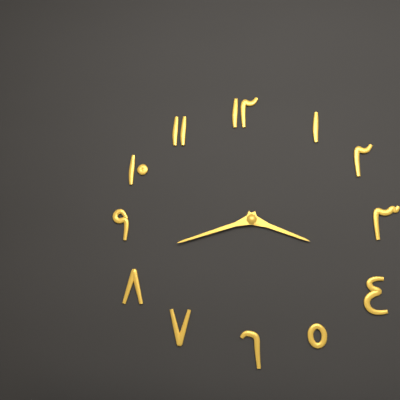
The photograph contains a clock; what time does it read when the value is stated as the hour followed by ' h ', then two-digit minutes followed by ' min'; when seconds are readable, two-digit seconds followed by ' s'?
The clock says 3 h 42 min
